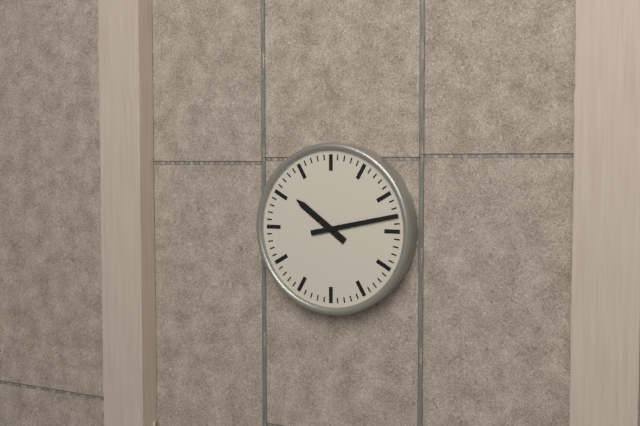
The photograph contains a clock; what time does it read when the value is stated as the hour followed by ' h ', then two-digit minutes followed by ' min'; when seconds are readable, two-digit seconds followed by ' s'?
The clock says 10 h 13 min
